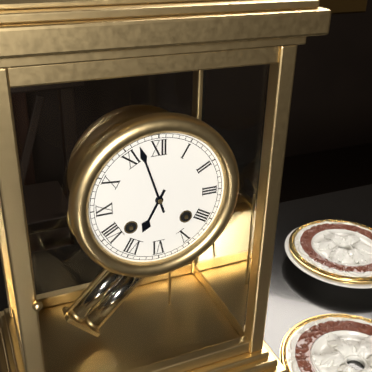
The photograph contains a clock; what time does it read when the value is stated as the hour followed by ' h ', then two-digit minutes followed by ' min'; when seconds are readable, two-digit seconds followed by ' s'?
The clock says 6 h 57 min
